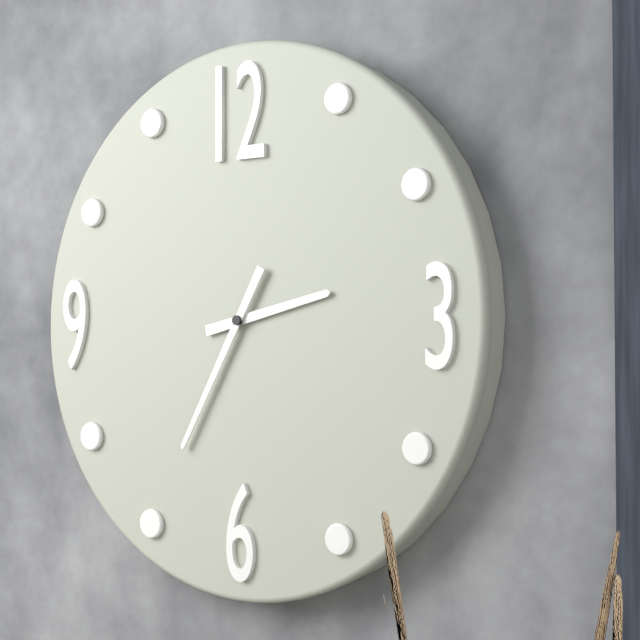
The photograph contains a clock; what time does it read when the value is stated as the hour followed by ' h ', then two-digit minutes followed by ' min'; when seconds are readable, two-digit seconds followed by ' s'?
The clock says 2 h 35 min
